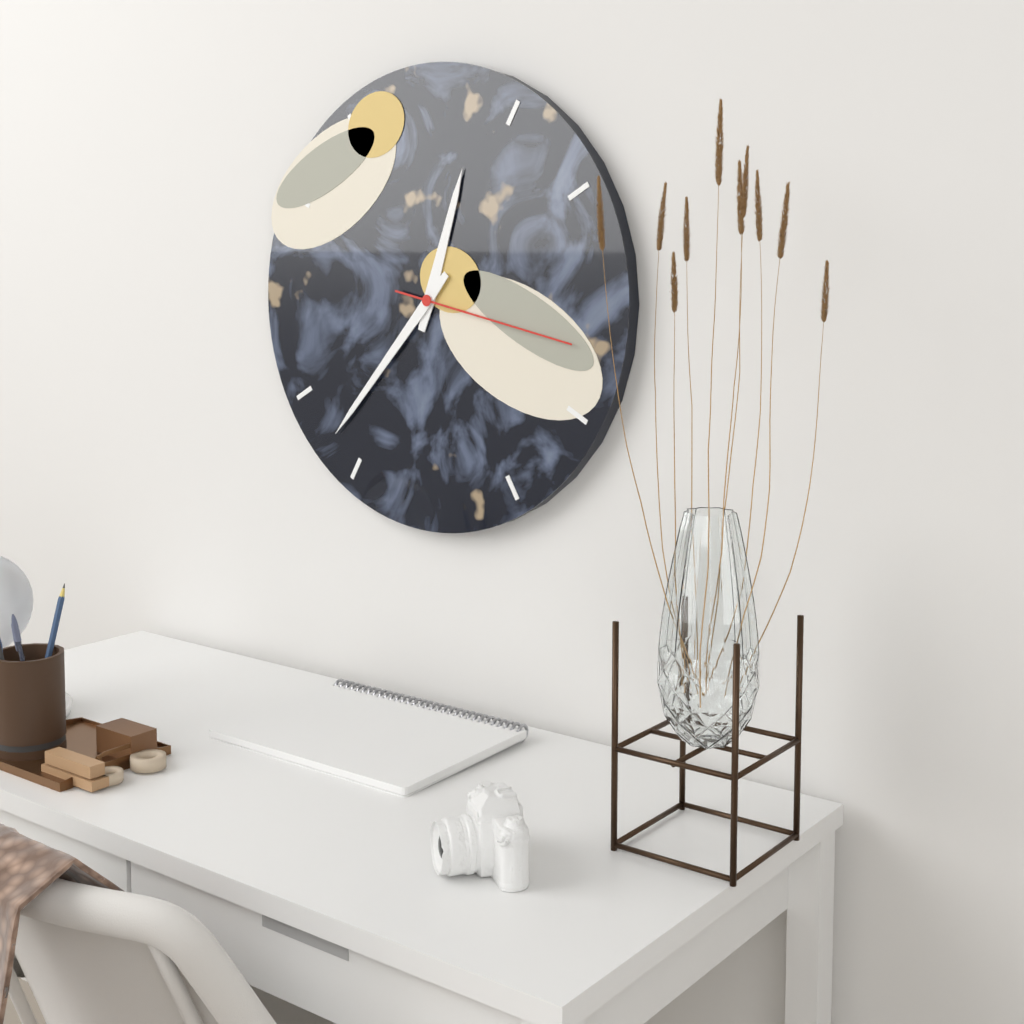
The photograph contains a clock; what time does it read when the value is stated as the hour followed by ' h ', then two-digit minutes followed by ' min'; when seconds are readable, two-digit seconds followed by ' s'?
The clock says 12 h 37 min 17 s
